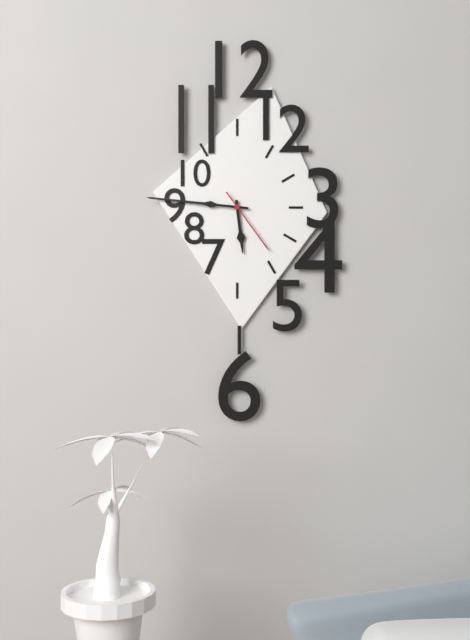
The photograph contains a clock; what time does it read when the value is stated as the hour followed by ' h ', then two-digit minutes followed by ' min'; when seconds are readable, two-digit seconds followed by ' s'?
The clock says 5 h 46 min 24 s
